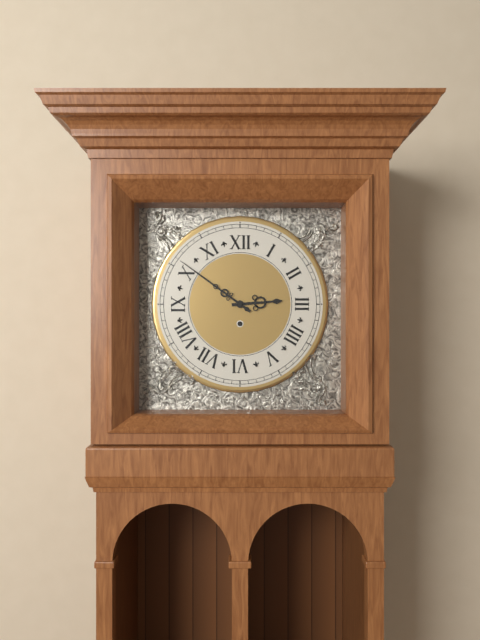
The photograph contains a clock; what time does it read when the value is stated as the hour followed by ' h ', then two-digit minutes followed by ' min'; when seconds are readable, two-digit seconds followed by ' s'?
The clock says 2 h 51 min
